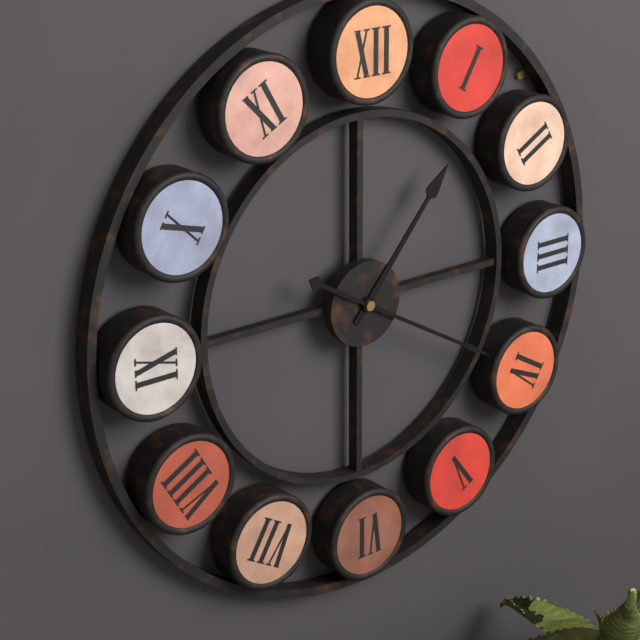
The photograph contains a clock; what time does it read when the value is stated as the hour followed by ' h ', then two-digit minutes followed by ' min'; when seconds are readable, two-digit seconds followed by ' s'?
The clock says 1 h 20 min
